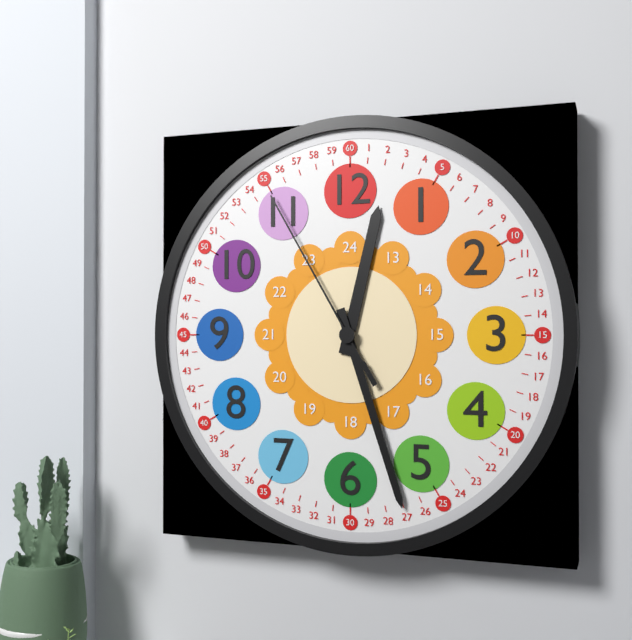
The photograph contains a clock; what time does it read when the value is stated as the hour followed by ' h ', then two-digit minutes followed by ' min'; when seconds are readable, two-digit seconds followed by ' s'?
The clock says 12 h 27 min 55 s
